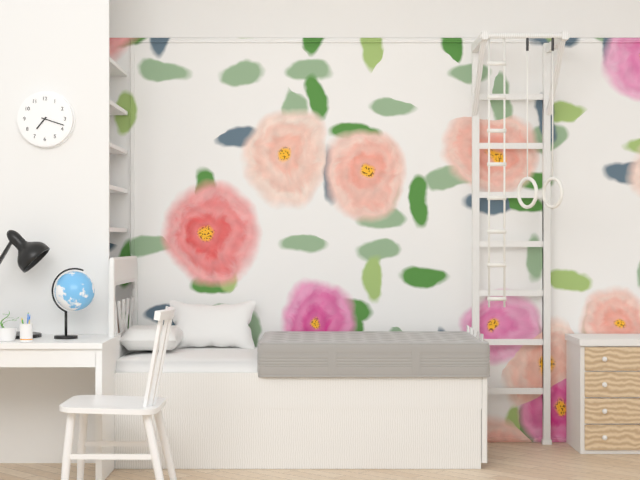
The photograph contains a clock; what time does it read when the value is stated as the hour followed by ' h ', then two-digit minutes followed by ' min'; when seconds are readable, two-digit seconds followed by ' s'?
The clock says 7 h 18 min
